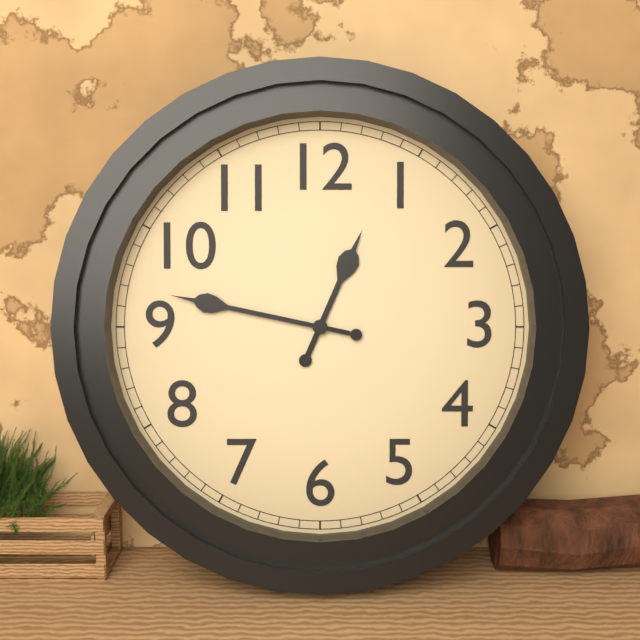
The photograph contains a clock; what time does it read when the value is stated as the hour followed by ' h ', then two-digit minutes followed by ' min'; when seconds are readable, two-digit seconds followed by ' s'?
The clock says 12 h 47 min
